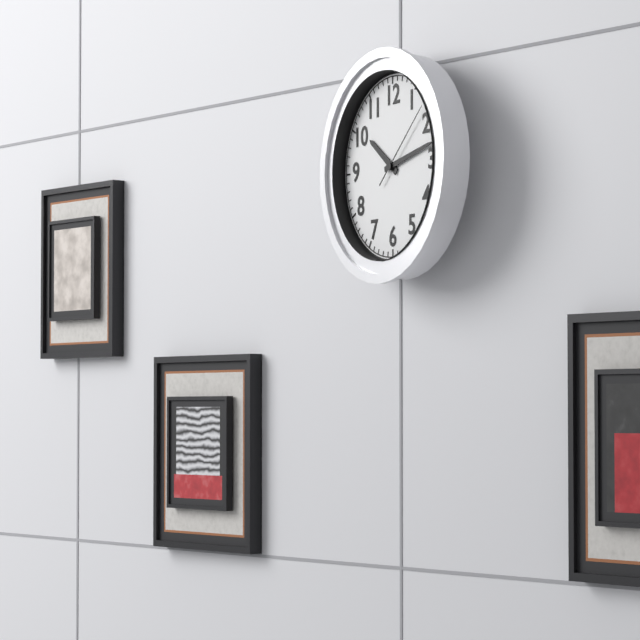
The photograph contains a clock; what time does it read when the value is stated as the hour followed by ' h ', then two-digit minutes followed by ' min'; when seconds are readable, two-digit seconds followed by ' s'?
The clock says 10 h 13 min 08 s
